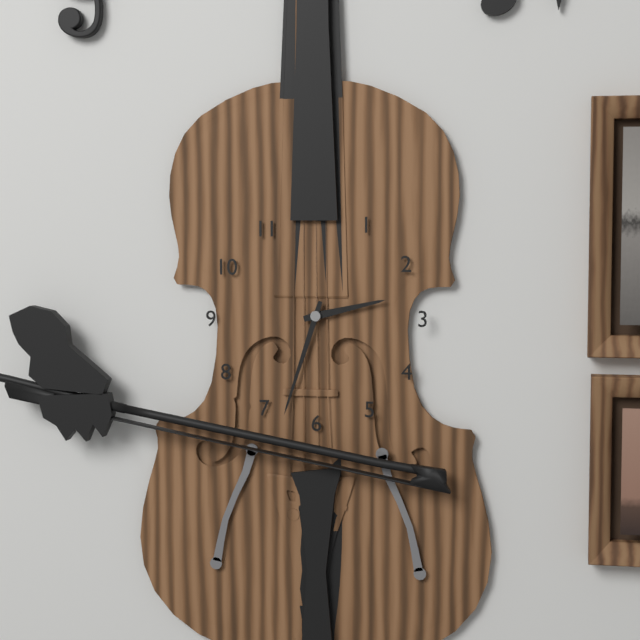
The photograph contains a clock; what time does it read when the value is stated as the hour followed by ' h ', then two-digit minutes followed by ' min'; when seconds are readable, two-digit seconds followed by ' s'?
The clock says 2 h 33 min
